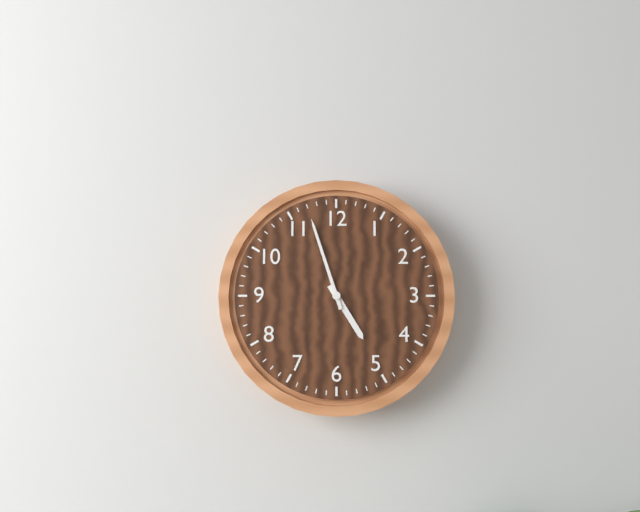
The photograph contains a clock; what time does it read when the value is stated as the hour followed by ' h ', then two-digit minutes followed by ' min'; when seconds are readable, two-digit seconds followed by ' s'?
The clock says 4 h 57 min
